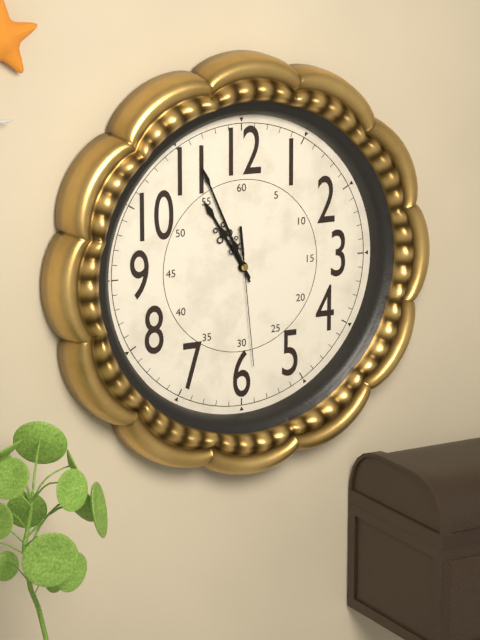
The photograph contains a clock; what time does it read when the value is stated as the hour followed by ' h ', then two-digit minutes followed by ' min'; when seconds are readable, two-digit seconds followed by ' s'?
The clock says 10 h 56 min 29 s
